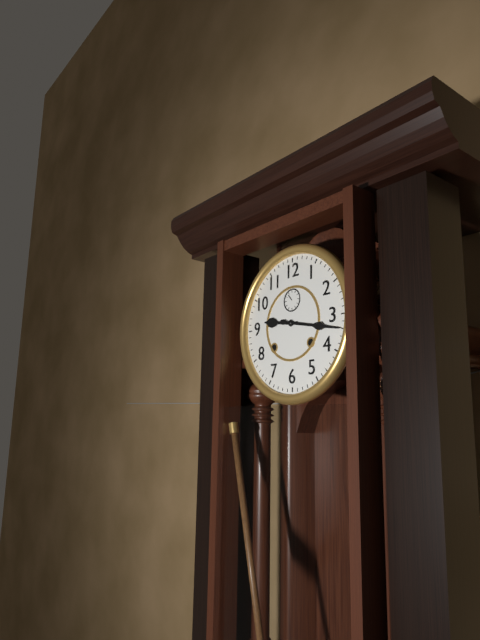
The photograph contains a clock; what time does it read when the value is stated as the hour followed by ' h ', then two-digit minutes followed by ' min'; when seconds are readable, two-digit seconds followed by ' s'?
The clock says 9 h 17 min
